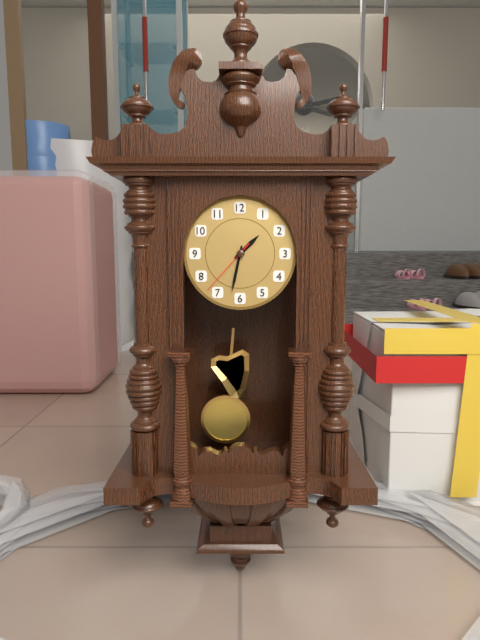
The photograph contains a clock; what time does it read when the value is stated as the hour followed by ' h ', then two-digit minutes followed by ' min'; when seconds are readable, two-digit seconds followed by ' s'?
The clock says 1 h 32 min 37 s
